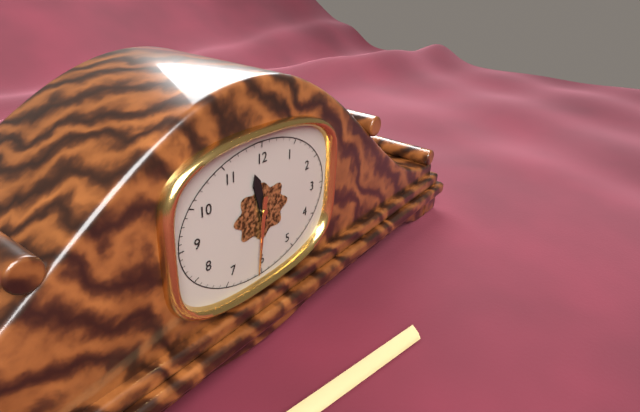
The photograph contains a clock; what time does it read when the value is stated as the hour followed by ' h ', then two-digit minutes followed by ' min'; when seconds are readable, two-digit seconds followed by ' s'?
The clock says 11 h 31 min
